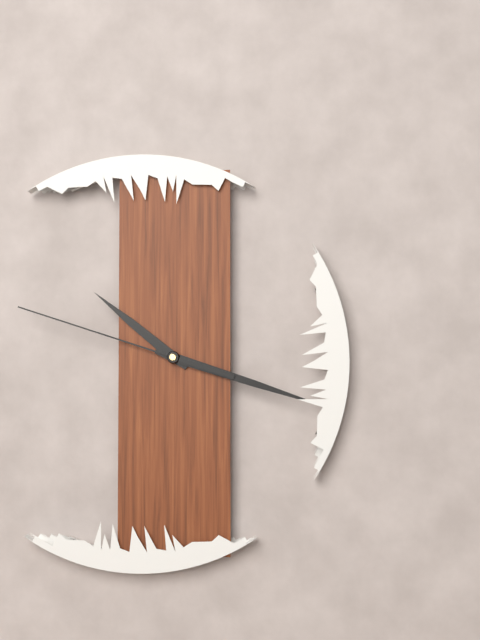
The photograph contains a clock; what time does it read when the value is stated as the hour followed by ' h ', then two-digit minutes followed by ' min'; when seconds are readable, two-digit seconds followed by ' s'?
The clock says 10 h 18 min 48 s
